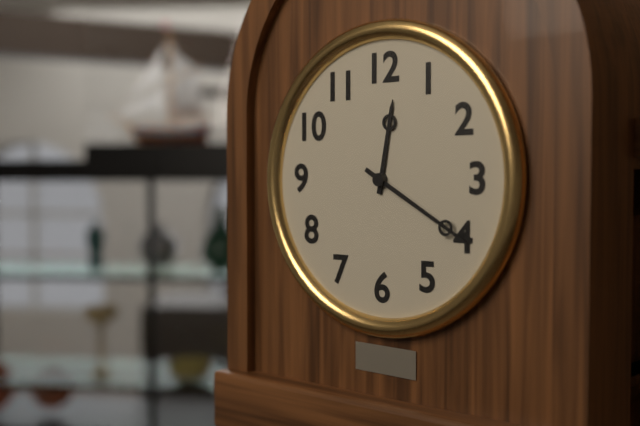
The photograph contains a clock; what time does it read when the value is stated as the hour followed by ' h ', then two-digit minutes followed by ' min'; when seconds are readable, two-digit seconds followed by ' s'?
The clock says 12 h 20 min
